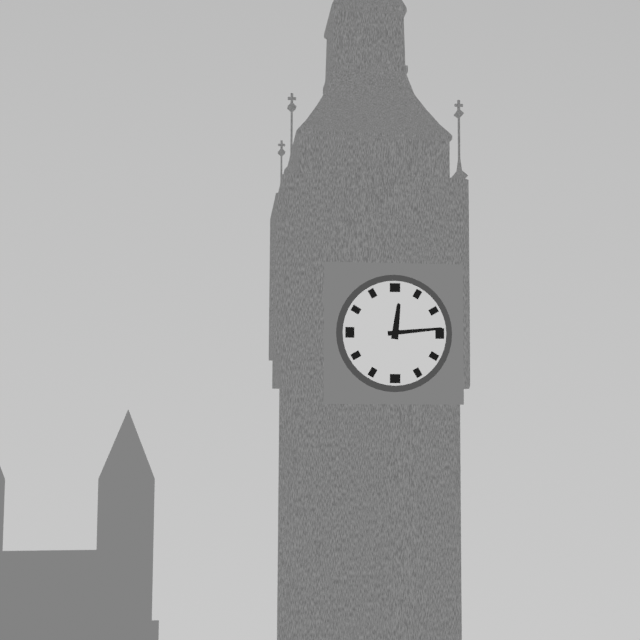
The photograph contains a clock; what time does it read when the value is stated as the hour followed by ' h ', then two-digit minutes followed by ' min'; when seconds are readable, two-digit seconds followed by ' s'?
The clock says 12 h 14 min
